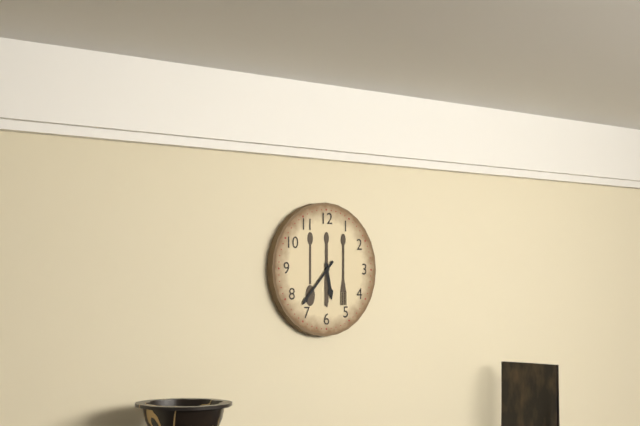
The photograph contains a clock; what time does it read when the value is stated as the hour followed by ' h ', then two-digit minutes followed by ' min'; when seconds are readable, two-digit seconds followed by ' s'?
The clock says 5 h 37 min
